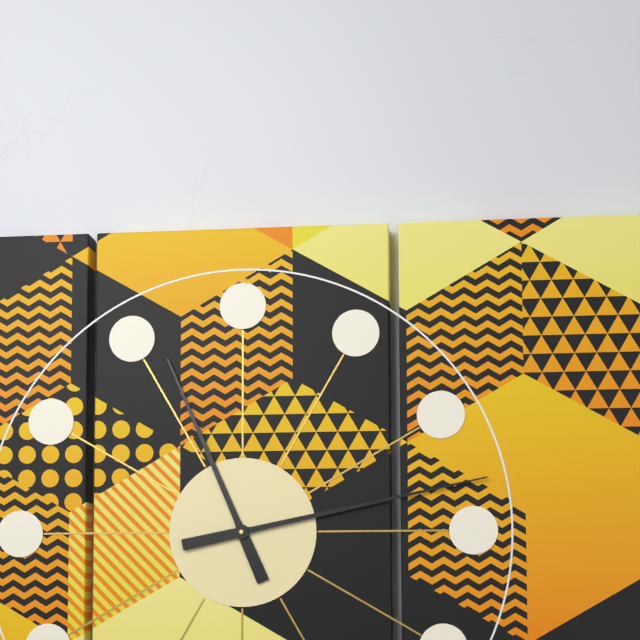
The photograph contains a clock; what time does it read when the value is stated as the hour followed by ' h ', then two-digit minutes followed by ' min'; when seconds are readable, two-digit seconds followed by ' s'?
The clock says 11 h 13 min
